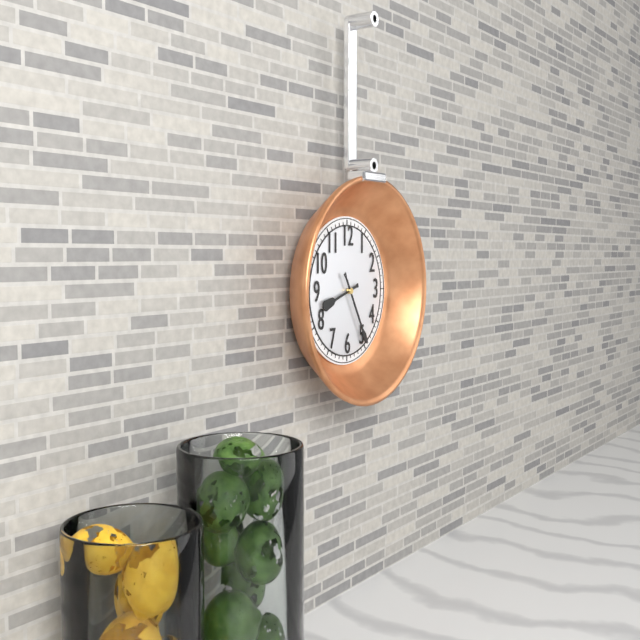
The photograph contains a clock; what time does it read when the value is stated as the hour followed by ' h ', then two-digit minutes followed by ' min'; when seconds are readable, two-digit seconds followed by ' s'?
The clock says 8 h 25 min
